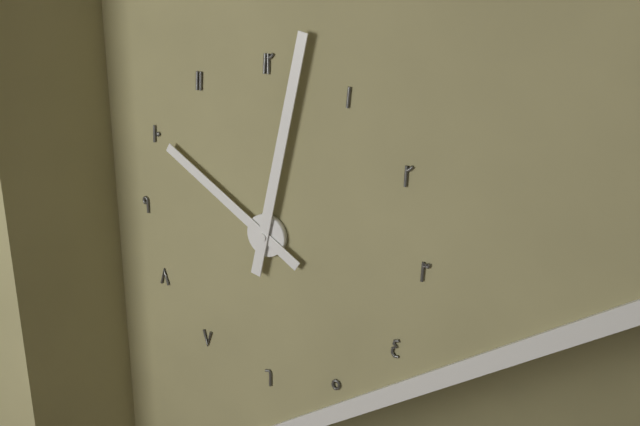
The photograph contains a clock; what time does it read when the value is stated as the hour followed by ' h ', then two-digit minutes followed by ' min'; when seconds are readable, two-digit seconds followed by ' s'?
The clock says 10 h 02 min
